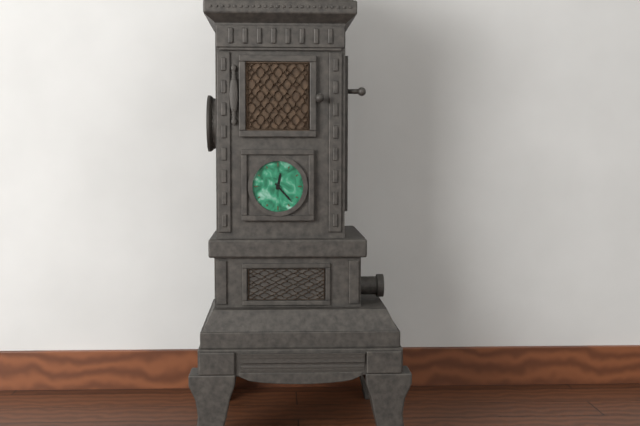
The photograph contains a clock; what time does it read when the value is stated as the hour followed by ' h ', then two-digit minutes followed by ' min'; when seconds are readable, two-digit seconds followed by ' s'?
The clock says 12 h 23 min
